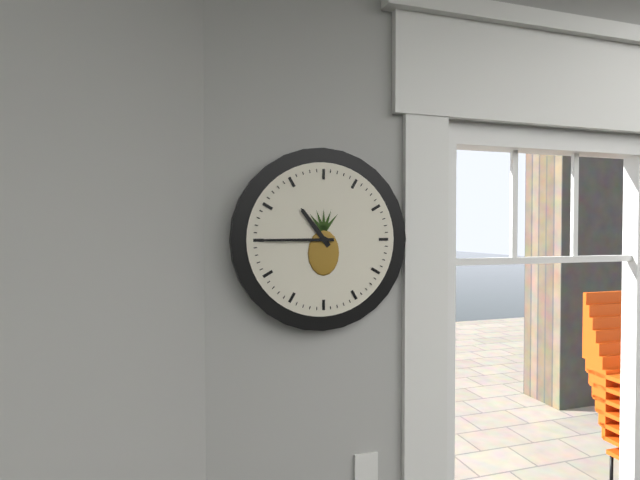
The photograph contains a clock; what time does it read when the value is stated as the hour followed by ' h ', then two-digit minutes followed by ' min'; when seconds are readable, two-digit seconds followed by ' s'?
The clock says 10 h 45 min
